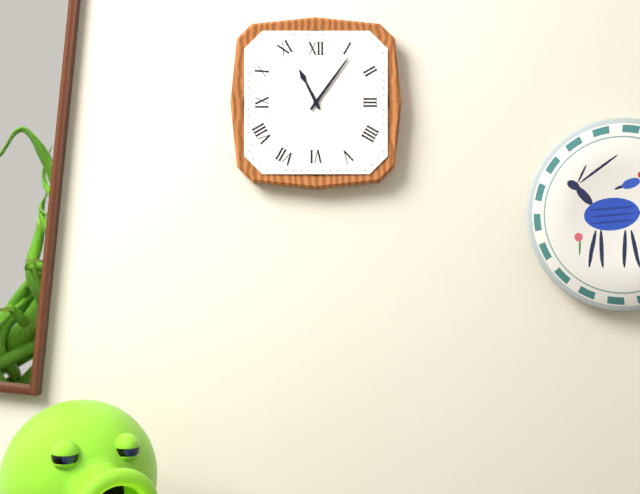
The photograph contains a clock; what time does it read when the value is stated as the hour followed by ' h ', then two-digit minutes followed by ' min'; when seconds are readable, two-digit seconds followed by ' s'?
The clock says 11 h 06 min
